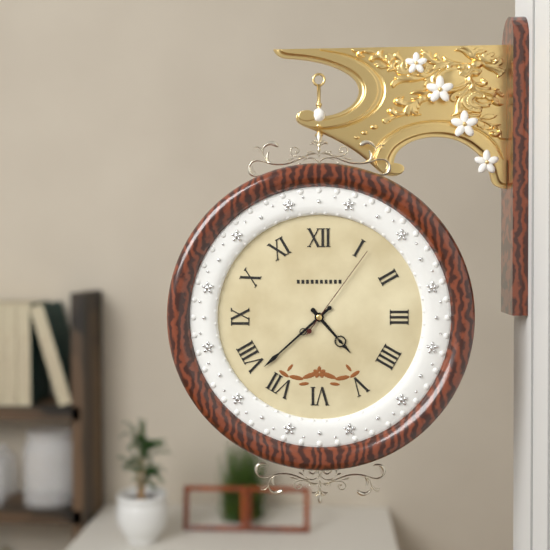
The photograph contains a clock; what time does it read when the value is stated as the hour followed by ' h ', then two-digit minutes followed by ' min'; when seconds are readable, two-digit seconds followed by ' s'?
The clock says 4 h 38 min 06 s
